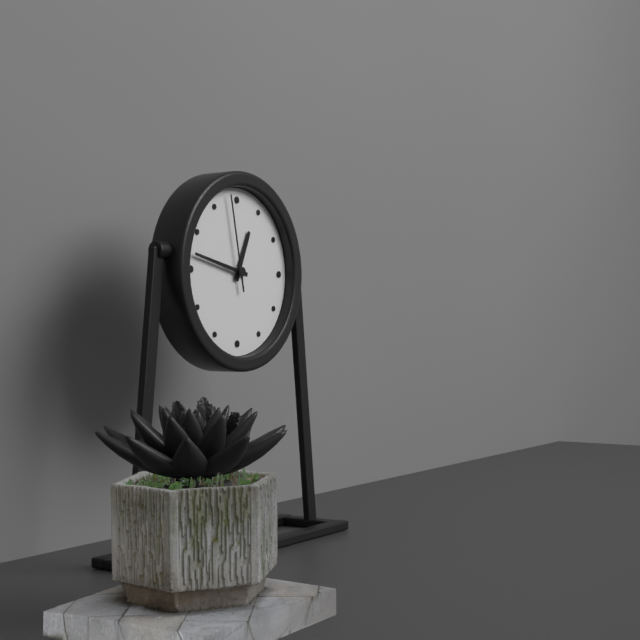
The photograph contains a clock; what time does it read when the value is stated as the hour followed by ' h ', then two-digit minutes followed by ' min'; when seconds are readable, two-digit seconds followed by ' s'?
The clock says 12 h 47 min 58 s
